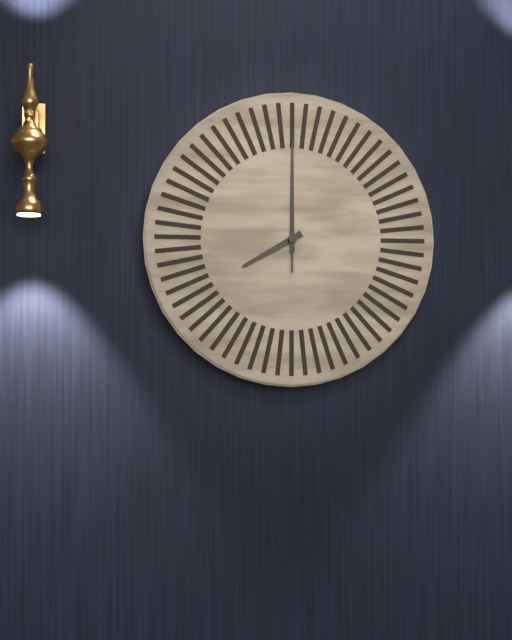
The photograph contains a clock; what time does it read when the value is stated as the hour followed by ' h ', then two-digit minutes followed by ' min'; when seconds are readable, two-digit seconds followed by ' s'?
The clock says 8 h 00 min 00 s
